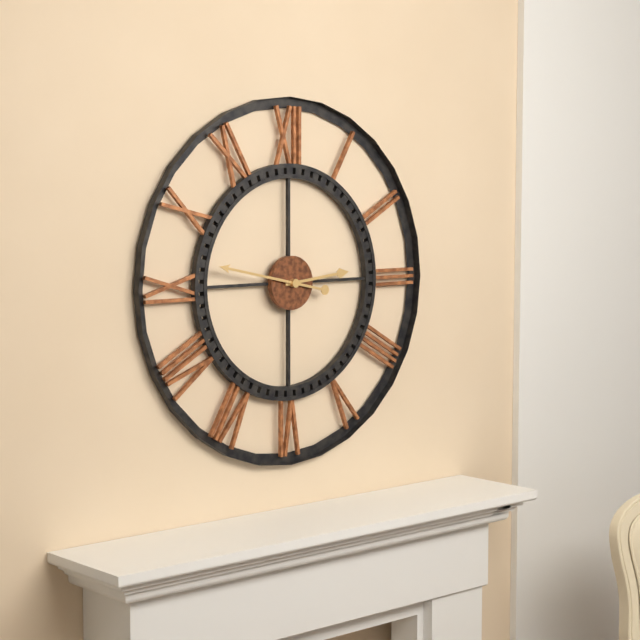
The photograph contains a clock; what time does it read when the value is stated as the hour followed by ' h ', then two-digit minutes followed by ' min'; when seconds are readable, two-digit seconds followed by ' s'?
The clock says 2 h 47 min
